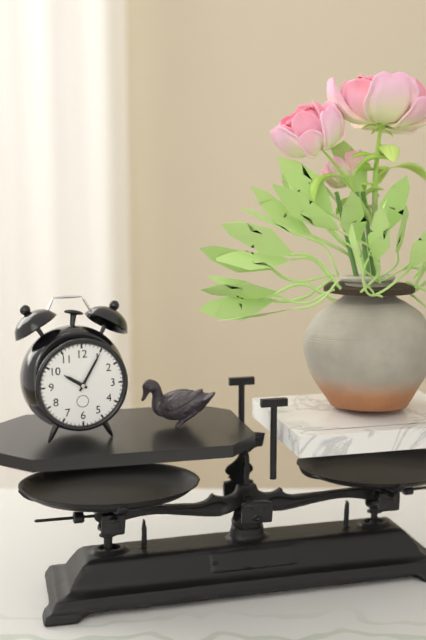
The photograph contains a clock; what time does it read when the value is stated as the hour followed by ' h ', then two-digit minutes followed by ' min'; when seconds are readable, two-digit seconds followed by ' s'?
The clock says 10 h 05 min
